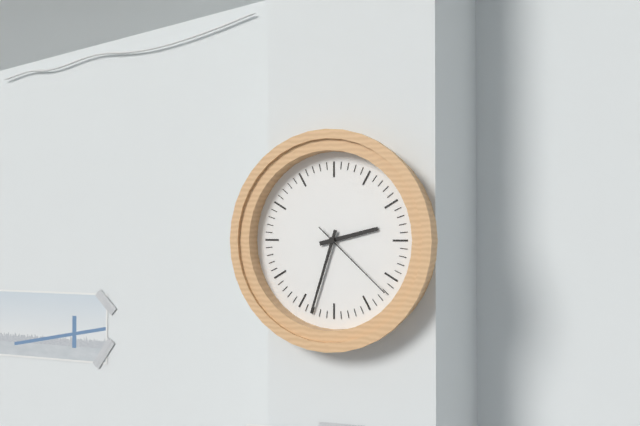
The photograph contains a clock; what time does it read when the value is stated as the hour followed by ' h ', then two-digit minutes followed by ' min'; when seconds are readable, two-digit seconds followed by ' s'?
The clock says 2 h 33 min 22 s
